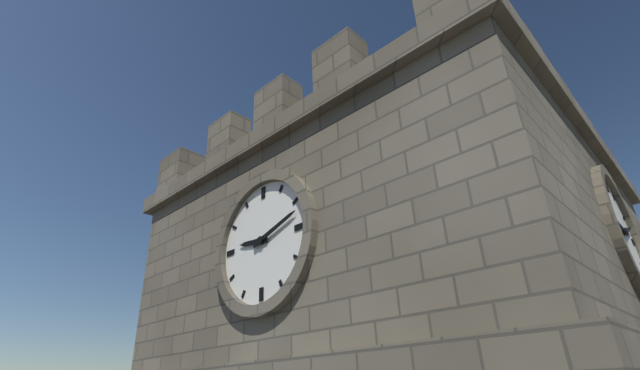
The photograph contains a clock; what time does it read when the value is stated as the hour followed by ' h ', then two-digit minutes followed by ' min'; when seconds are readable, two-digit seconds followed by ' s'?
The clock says 9 h 12 min
